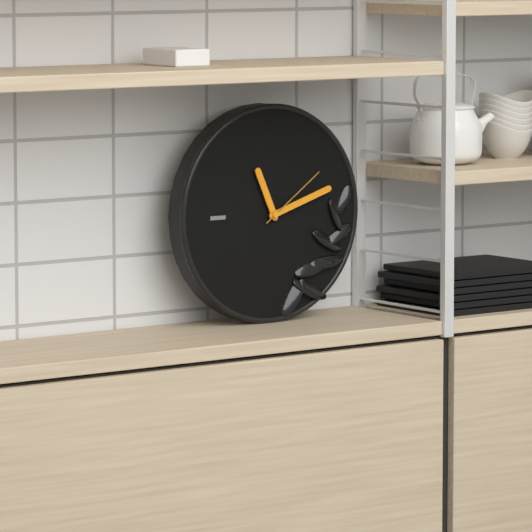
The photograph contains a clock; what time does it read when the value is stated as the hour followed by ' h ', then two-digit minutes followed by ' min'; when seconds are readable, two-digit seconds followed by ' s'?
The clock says 11 h 12 min 09 s
